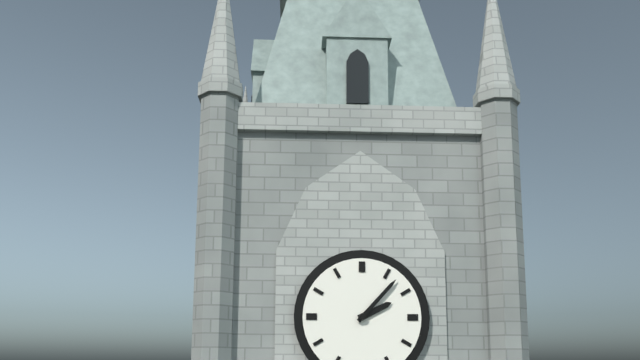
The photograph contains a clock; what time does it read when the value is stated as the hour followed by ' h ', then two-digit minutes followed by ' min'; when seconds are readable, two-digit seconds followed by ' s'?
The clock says 2 h 07 min
